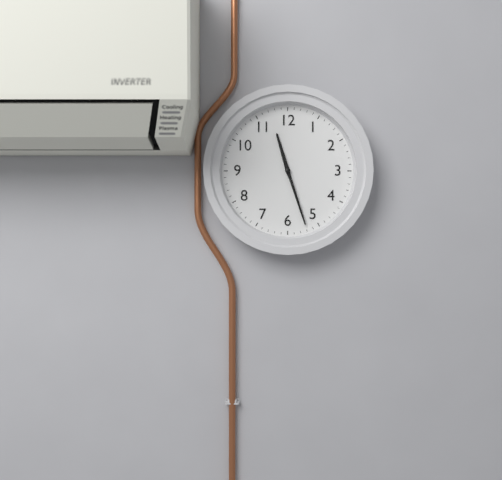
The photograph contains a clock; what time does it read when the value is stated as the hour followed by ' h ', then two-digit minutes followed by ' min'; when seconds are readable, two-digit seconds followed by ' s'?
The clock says 11 h 27 min
